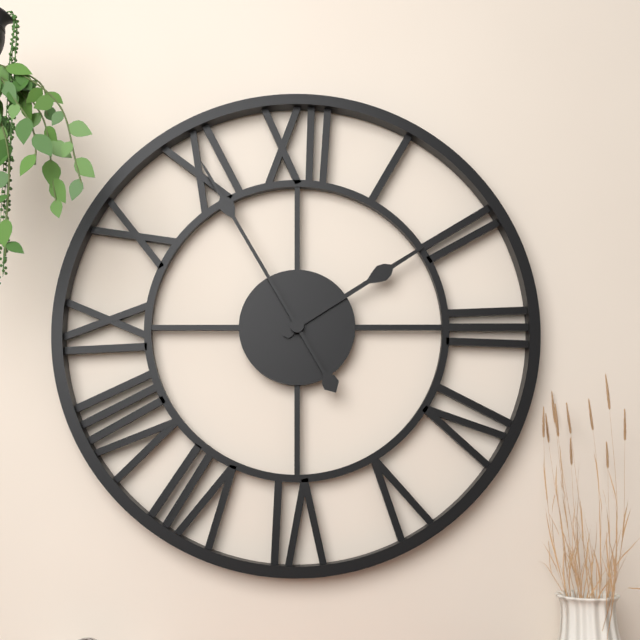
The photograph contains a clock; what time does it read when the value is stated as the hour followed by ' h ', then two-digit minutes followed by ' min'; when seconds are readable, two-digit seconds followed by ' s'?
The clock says 1 h 55 min
